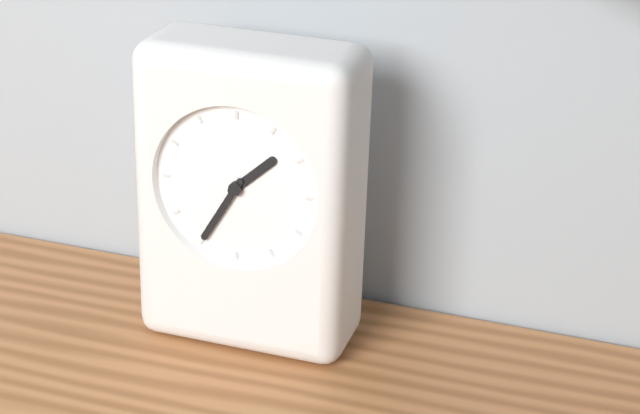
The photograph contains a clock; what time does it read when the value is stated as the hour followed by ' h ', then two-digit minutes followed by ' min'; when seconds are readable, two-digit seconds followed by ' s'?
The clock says 1 h 35 min
